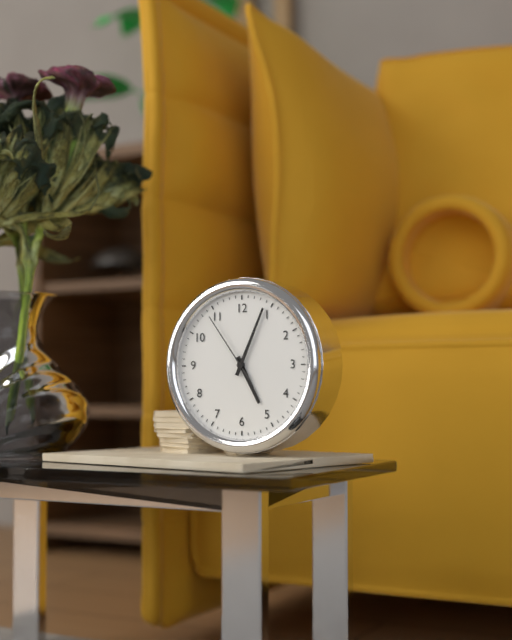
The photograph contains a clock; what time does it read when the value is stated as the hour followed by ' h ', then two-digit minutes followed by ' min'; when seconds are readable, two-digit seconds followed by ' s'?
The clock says 5 h 04 min 54 s
